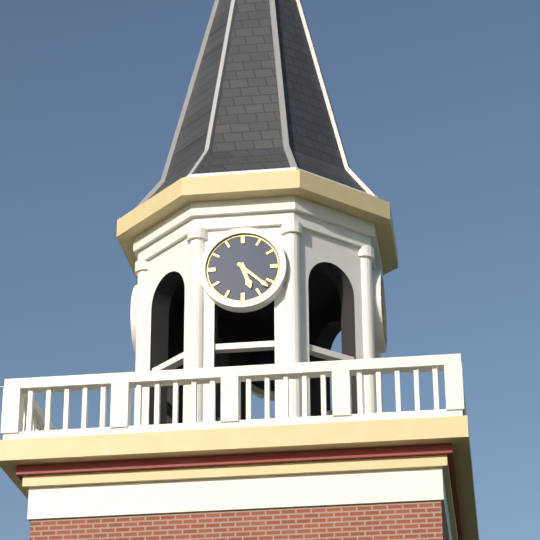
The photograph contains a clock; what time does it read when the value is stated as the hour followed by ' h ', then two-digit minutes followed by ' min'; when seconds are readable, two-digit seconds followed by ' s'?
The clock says 5 h 22 min
